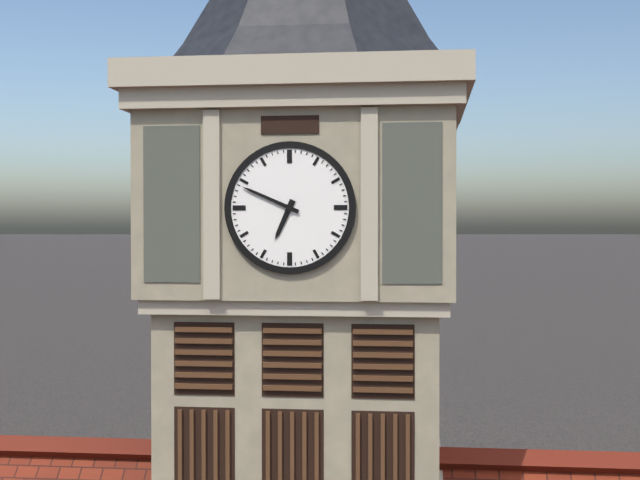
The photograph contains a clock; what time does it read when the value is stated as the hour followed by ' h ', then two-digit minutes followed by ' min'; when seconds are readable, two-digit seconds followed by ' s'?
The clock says 6 h 49 min
